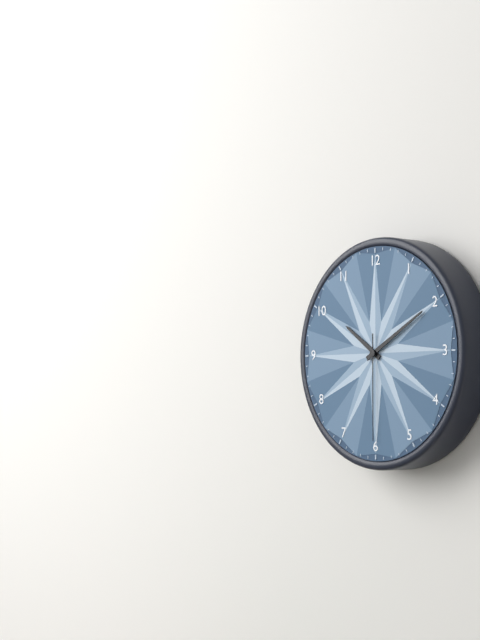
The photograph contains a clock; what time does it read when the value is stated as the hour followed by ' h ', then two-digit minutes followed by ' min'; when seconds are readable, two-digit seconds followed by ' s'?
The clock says 10 h 10 min 30 s
